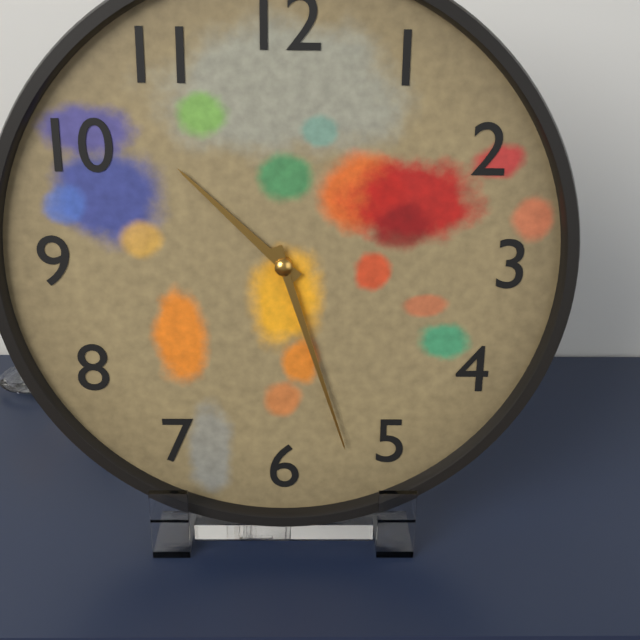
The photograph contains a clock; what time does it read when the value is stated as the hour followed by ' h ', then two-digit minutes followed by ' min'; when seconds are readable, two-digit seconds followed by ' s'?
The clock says 10 h 27 min
